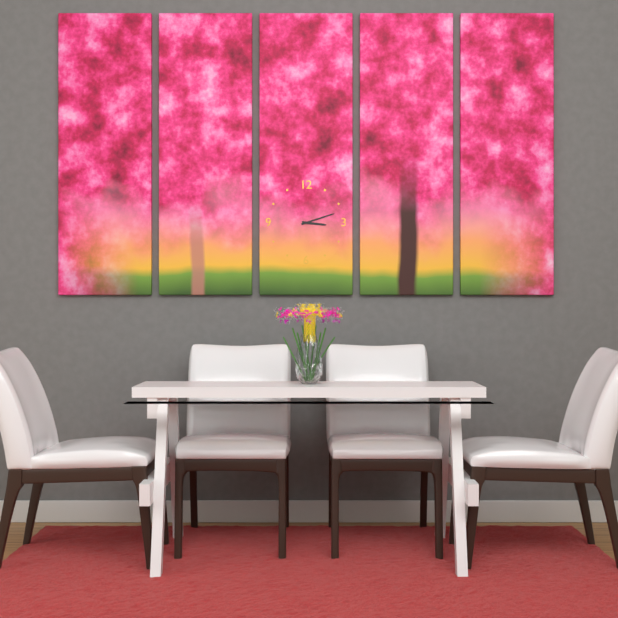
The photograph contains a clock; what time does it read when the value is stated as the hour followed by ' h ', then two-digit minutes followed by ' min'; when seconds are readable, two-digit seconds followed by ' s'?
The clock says 3 h 12 min
